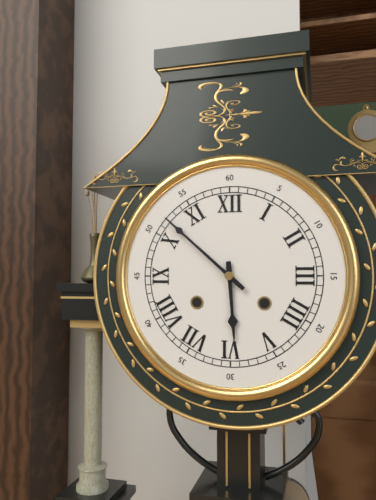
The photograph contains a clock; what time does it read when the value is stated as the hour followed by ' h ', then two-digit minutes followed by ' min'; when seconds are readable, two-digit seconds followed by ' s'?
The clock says 5 h 52 min
